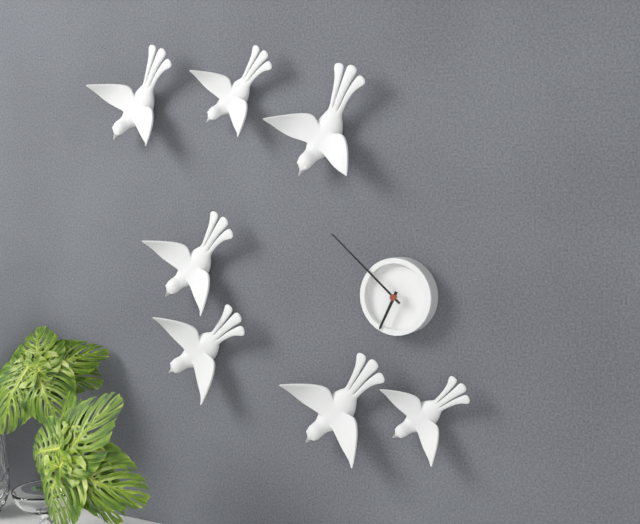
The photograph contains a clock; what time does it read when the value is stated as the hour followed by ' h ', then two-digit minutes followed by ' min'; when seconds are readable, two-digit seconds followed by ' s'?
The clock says 6 h 52 min
